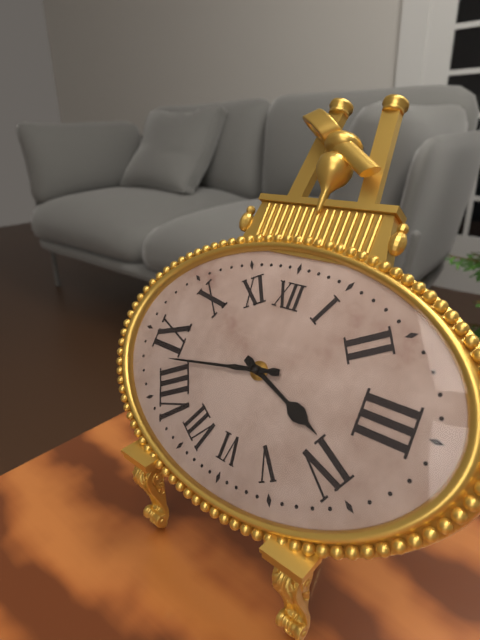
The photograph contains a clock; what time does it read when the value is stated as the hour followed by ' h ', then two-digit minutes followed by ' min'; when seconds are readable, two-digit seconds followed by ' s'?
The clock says 3 h 43 min
